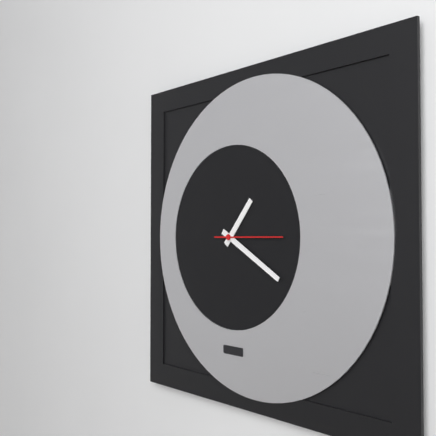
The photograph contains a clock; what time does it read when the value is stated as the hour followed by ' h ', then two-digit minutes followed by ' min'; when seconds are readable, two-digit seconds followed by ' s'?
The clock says 1 h 20 min 15 s
